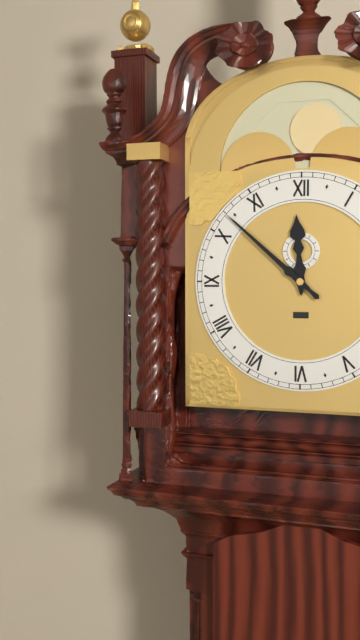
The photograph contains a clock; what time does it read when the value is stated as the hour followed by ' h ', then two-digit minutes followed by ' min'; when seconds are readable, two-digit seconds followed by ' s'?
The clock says 11 h 52 min
